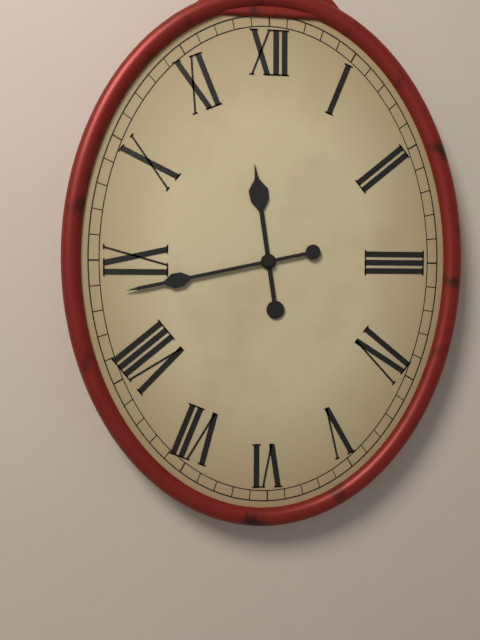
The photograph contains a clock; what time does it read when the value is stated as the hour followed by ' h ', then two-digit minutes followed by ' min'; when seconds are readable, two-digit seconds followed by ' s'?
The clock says 11 h 43 min
